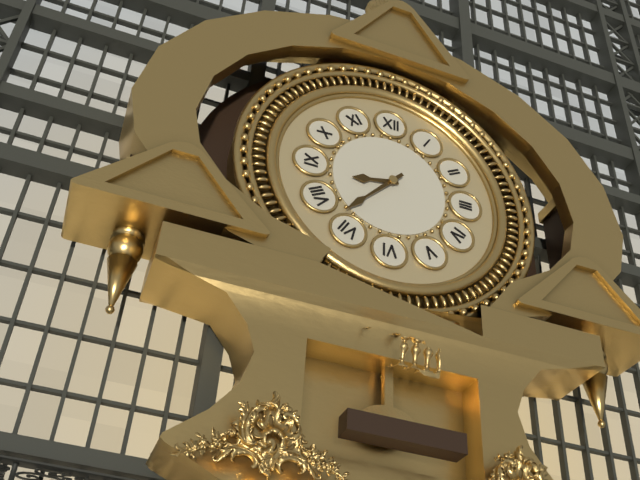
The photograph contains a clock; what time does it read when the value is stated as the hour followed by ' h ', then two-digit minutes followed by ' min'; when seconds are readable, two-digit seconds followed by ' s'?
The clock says 8 h 37 min
